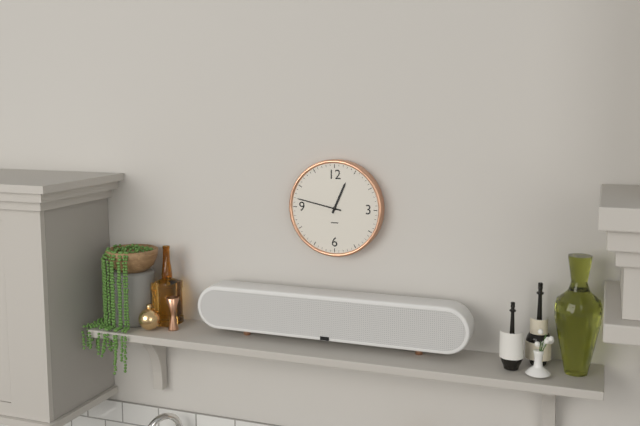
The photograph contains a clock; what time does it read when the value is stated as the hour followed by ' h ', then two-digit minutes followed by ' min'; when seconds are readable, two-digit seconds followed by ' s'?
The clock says 12 h 47 min
